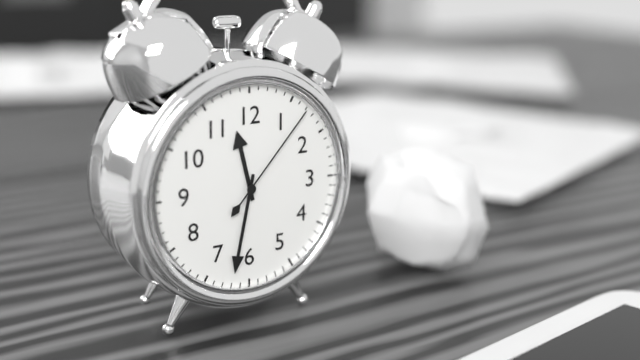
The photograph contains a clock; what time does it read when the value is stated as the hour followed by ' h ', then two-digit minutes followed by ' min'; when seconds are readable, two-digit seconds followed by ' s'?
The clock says 11 h 32 min 07 s
